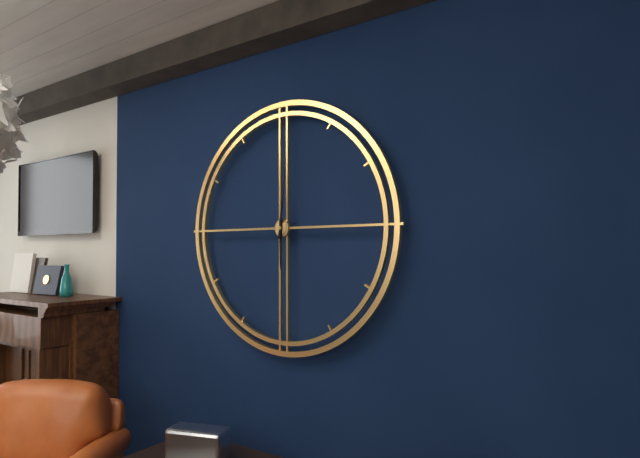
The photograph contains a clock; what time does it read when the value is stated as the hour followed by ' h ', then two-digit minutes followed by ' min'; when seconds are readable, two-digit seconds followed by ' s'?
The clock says 6 h 01 min
